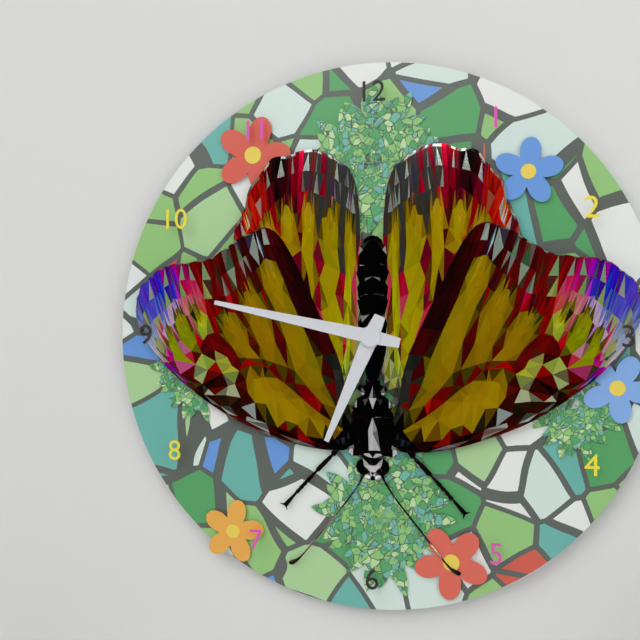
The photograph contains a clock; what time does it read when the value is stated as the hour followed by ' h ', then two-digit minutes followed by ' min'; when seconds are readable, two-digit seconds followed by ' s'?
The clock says 6 h 47 min
